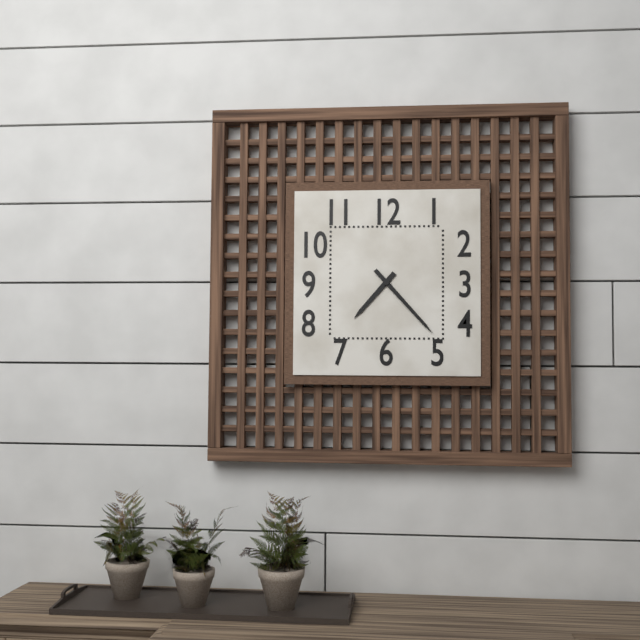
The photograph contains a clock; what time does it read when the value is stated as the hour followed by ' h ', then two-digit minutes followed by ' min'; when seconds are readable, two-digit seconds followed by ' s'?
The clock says 7 h 23 min
